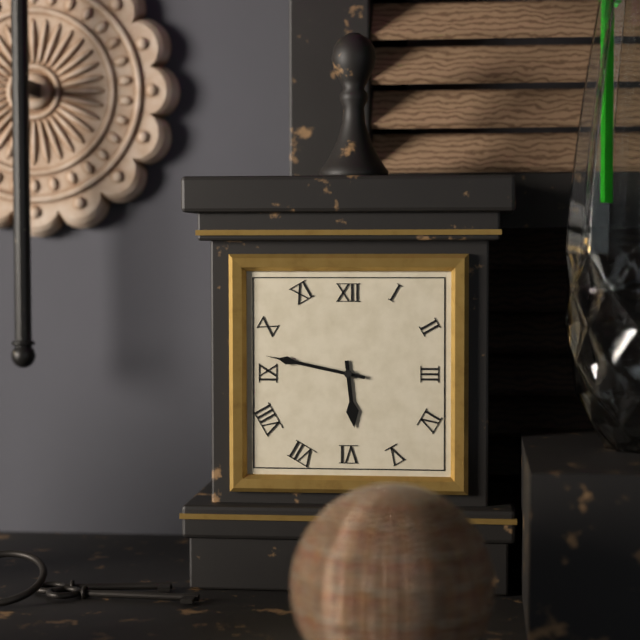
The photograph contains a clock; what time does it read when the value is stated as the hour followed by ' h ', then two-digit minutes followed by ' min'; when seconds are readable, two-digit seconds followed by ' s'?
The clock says 5 h 47 min
